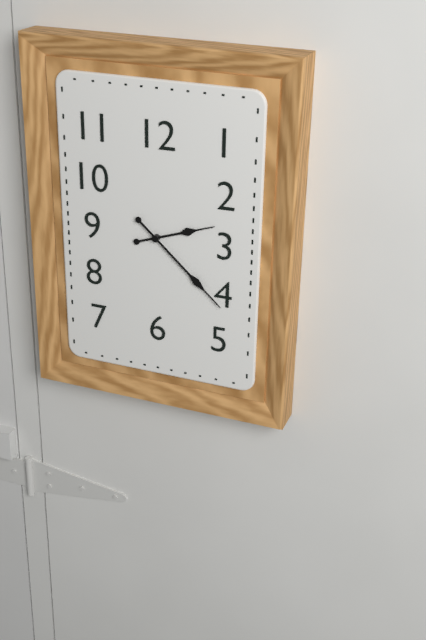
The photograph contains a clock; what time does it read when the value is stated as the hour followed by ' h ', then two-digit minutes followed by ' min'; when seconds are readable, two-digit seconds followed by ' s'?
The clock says 2 h 22 min
